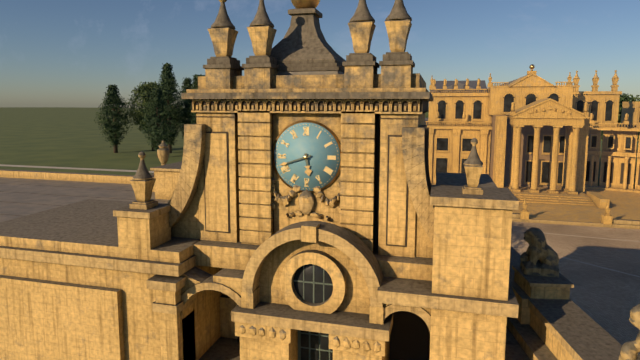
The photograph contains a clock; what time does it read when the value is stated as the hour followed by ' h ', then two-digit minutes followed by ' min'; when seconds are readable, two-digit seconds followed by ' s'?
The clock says 5 h 42 min
